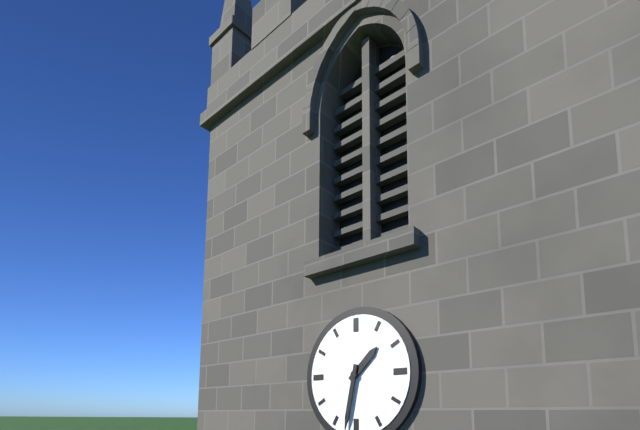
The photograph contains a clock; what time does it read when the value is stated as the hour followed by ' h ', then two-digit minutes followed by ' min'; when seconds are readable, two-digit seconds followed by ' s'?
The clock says 1 h 32 min
